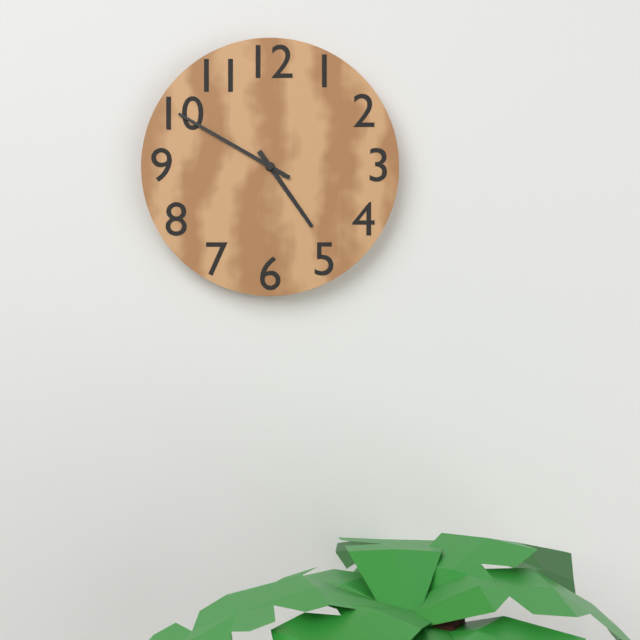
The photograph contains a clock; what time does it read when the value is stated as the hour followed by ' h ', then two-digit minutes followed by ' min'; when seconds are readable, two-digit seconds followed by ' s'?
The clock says 4 h 50 min
